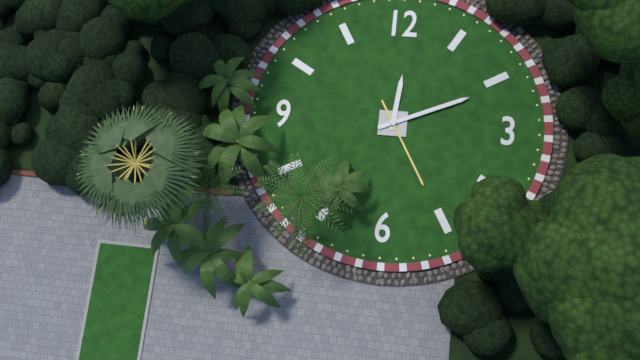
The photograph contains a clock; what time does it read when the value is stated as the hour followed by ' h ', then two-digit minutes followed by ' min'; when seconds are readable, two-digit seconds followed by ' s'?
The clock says 12 h 11 min 25 s
